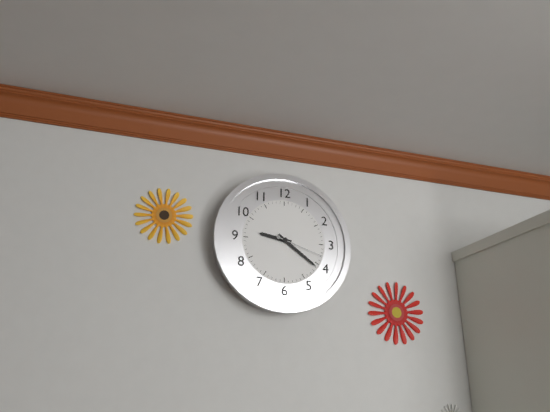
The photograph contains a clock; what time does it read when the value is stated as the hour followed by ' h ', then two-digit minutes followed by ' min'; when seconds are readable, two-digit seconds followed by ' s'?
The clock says 9 h 21 min 18 s
